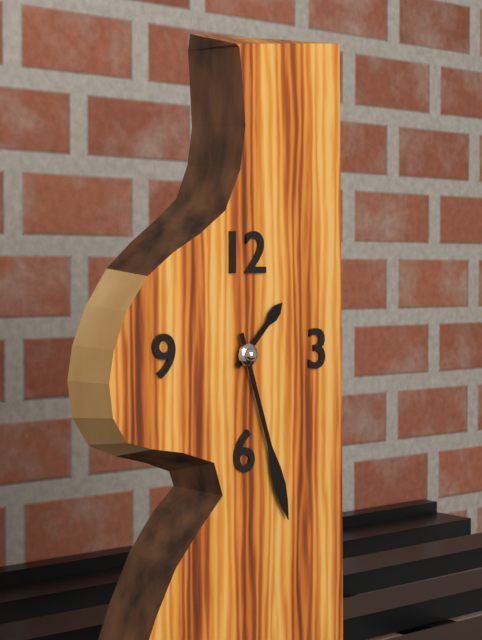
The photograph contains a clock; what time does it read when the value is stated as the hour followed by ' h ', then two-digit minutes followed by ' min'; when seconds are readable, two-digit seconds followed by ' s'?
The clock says 1 h 27 min
